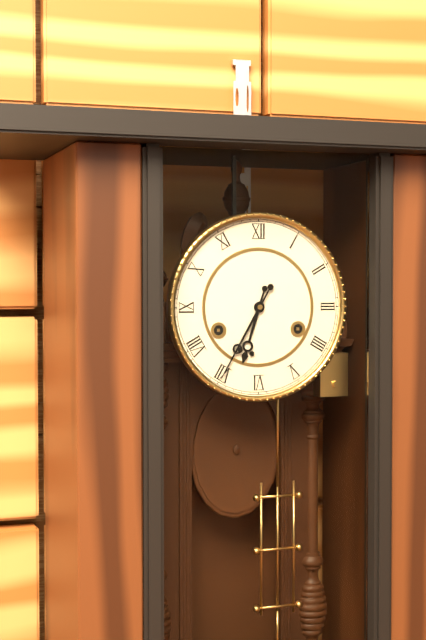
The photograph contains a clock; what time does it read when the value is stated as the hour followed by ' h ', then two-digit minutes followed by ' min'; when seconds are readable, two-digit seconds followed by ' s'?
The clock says 6 h 35 min
